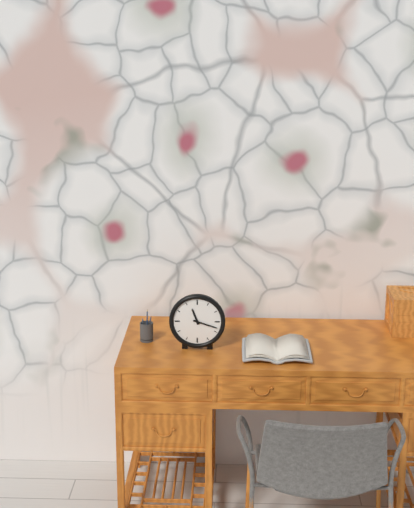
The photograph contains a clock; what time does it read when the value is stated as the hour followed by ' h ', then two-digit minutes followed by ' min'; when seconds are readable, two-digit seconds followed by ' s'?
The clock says 11 h 18 min
